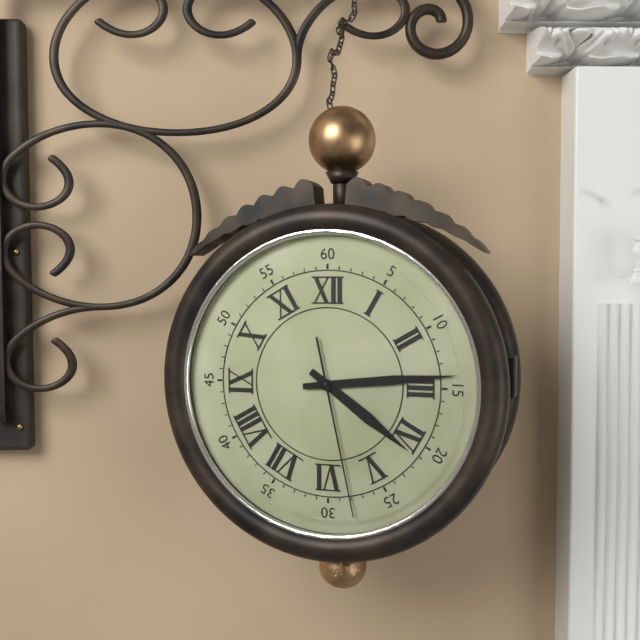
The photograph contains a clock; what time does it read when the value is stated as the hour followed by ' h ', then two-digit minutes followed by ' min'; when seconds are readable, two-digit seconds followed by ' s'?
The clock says 4 h 14 min 28 s
